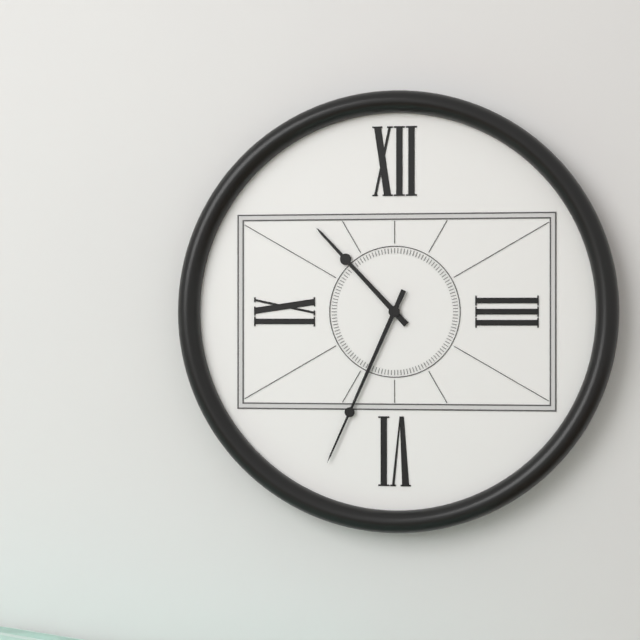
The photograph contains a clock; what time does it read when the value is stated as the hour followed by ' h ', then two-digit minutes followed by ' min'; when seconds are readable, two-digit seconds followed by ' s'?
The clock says 10 h 34 min
